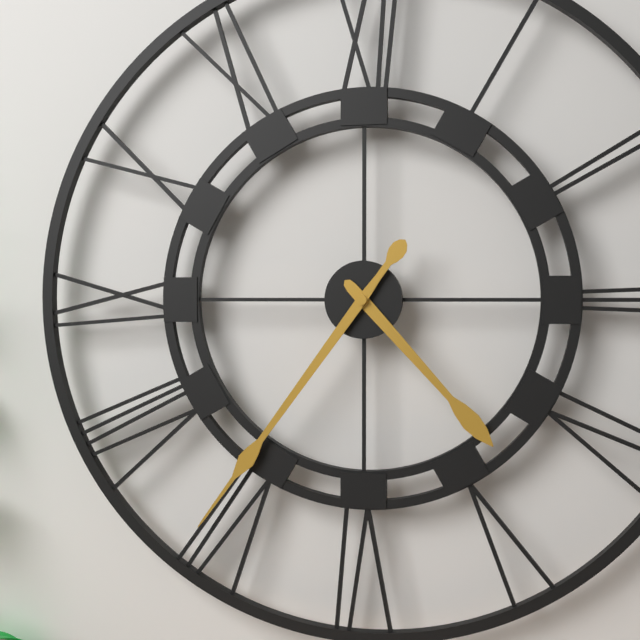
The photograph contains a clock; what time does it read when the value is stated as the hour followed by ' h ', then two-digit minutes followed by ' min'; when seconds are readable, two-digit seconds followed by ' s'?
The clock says 4 h 36 min
